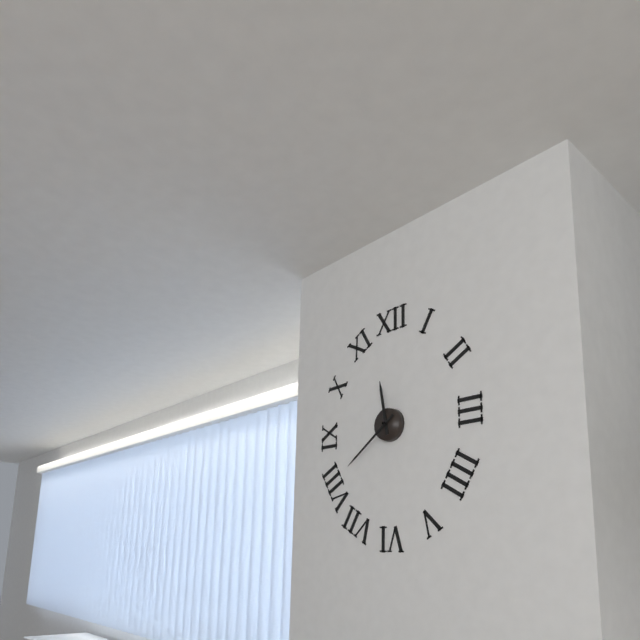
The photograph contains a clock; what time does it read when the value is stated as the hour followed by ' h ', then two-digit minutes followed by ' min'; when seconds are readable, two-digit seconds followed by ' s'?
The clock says 11 h 39 min
